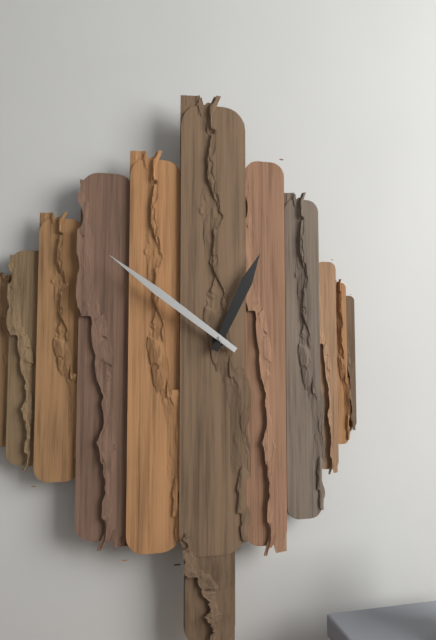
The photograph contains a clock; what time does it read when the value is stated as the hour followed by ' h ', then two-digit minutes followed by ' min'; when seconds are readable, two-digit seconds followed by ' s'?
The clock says 12 h 51 min
